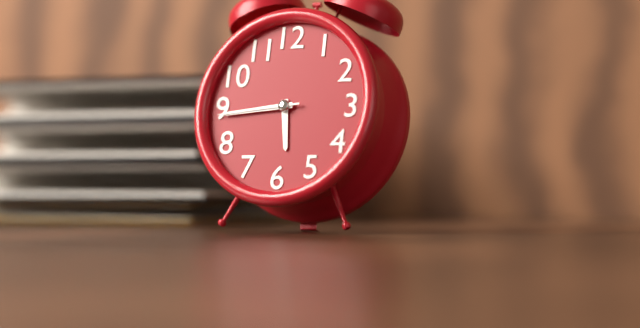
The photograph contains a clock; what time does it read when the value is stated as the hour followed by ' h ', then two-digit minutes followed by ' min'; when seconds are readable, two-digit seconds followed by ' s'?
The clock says 5 h 44 min 44 s
